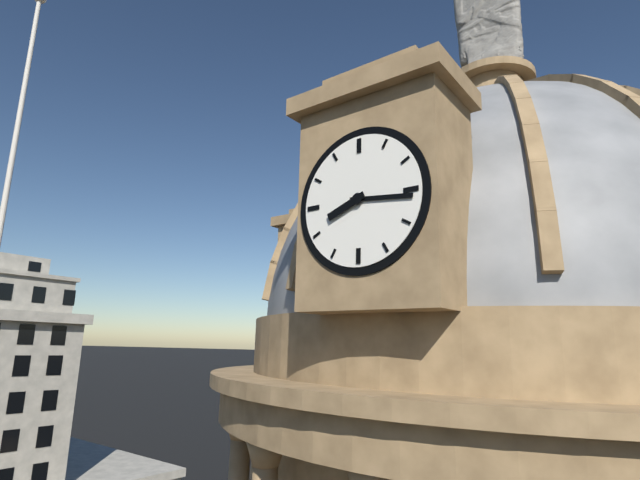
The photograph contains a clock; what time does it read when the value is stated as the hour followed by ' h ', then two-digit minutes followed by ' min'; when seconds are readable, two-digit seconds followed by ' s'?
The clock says 8 h 16 min
